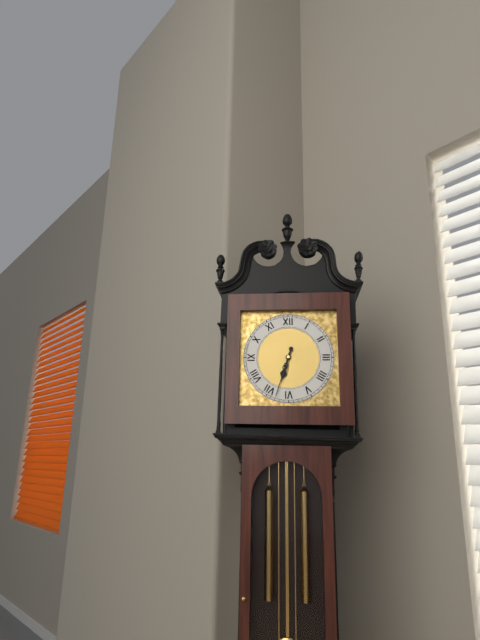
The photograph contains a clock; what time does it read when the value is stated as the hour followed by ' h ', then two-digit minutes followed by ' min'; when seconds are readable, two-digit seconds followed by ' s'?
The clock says 6 h 33 min
